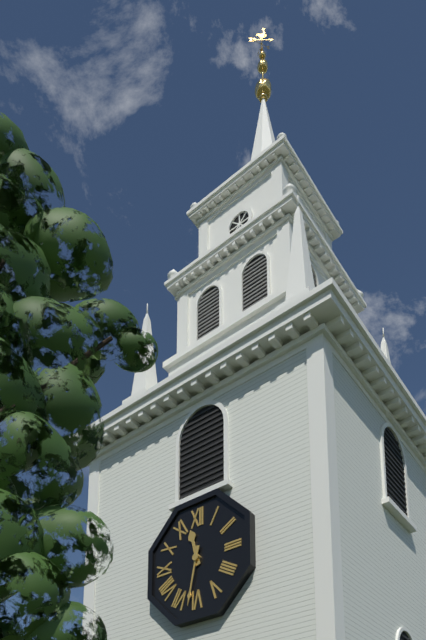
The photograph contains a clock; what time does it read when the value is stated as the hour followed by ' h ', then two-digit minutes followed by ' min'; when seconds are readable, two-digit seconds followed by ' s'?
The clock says 11 h 32 min
